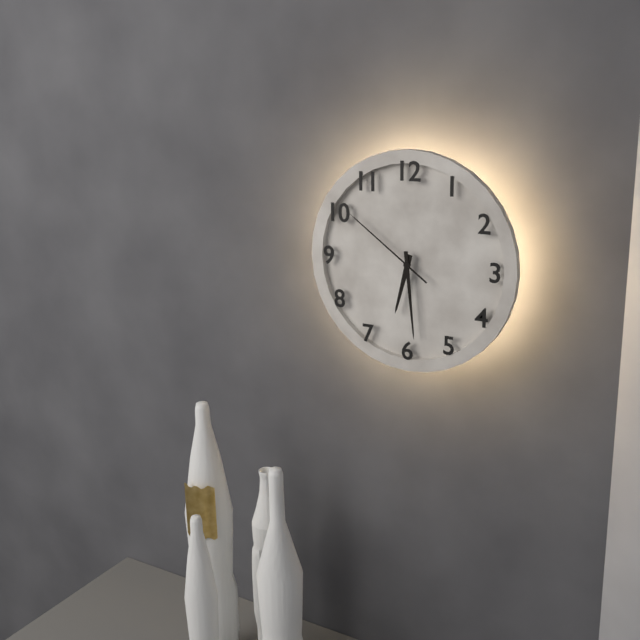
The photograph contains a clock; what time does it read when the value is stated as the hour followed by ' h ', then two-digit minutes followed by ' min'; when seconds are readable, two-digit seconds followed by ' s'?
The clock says 6 h 29 min 51 s
